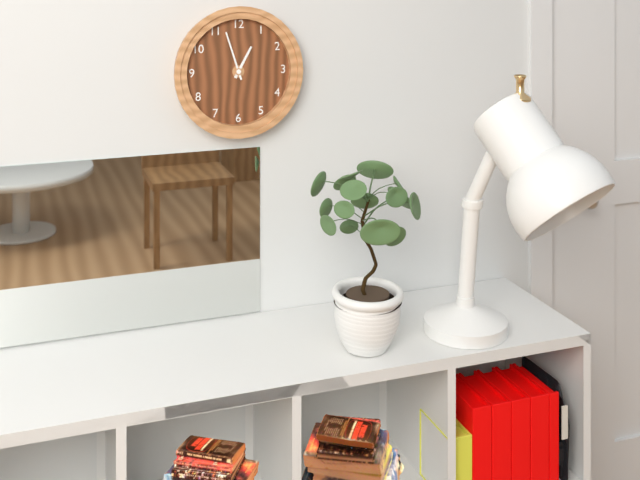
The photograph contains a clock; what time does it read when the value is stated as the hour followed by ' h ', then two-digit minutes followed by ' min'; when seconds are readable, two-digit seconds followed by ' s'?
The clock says 12 h 57 min
